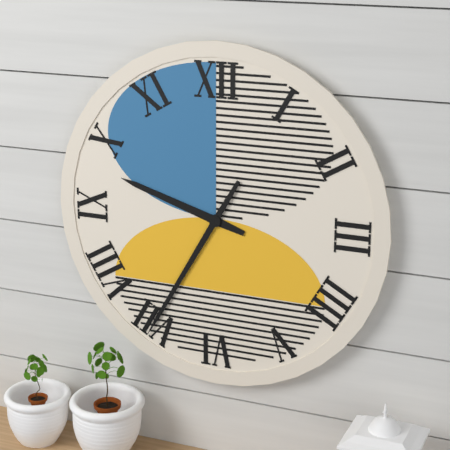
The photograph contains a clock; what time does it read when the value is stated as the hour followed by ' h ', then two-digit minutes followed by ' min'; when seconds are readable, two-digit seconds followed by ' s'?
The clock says 9 h 35 min
